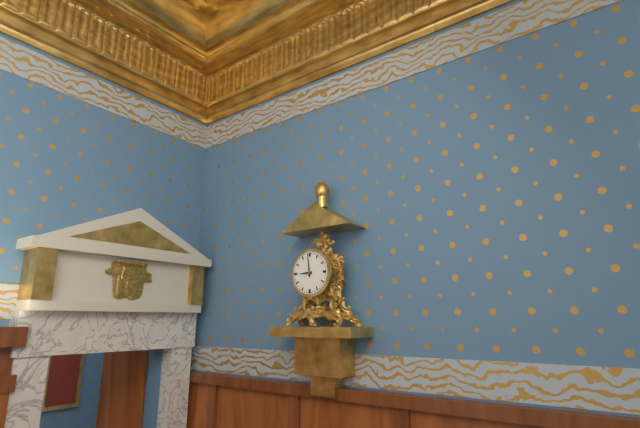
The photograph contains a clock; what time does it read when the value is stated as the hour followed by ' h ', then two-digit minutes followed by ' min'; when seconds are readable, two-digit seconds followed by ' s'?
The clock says 8 h 59 min
